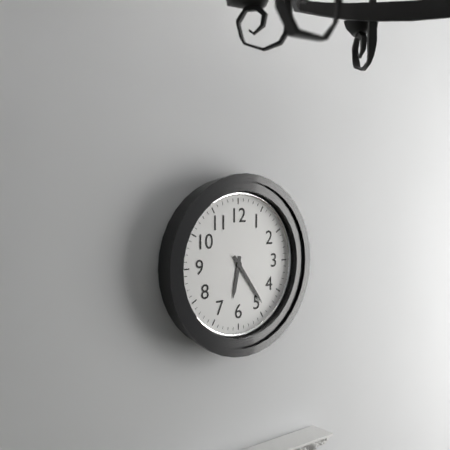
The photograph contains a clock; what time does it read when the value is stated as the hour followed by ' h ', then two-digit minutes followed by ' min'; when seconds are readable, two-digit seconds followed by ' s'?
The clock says 6 h 24 min
